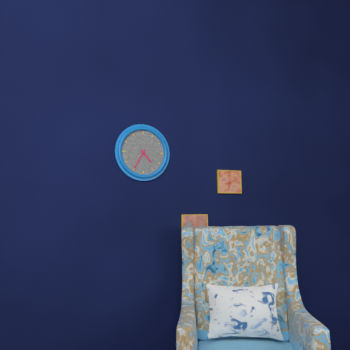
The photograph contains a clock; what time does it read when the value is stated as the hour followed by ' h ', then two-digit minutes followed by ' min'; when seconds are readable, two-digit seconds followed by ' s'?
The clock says 4 h 35 min
